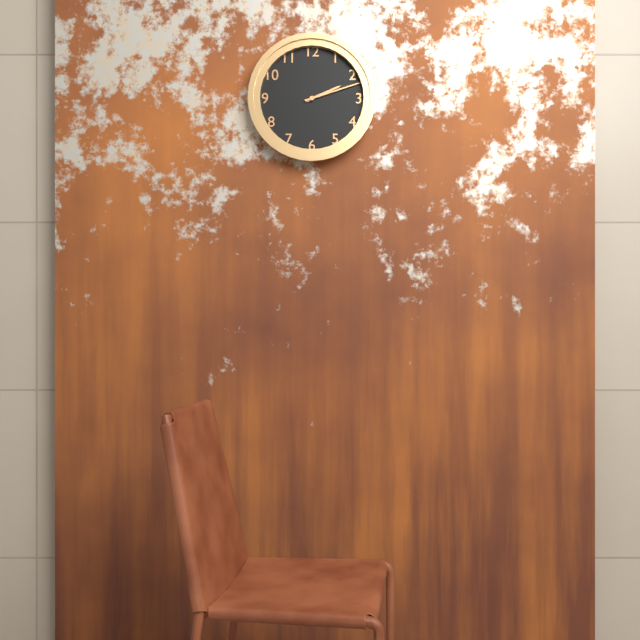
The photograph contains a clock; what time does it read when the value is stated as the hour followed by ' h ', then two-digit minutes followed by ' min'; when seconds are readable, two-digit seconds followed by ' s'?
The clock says 2 h 12 min
